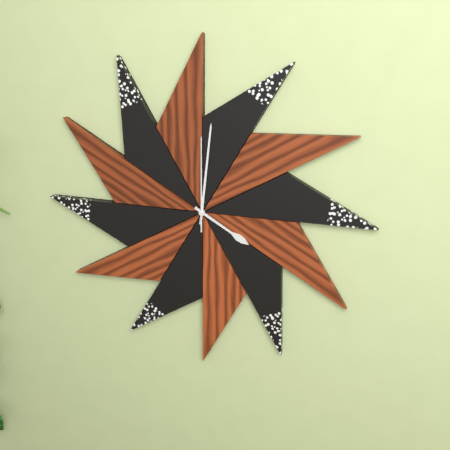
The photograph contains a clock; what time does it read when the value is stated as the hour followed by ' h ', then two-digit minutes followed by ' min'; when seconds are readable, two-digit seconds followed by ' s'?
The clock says 4 h 01 min 00 s
